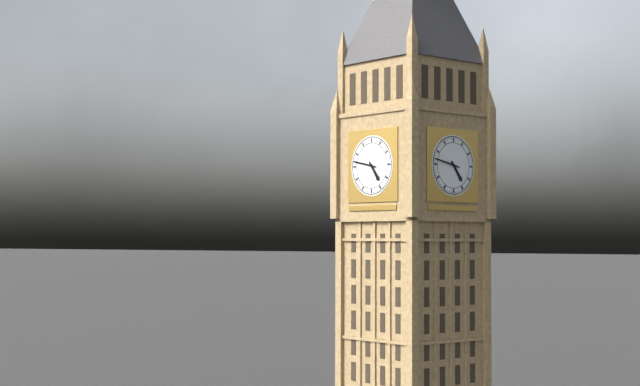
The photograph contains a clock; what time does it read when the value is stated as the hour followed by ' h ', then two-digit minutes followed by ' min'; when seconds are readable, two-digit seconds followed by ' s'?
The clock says 4 h 47 min
